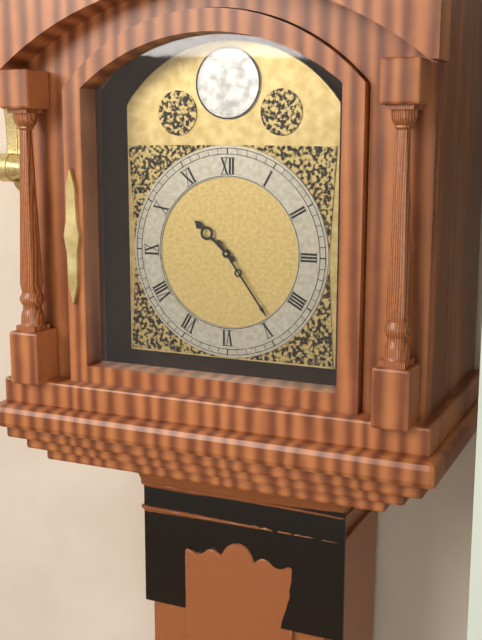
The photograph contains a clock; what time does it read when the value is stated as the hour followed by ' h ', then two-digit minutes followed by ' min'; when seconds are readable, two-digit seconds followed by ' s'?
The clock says 10 h 24 min
